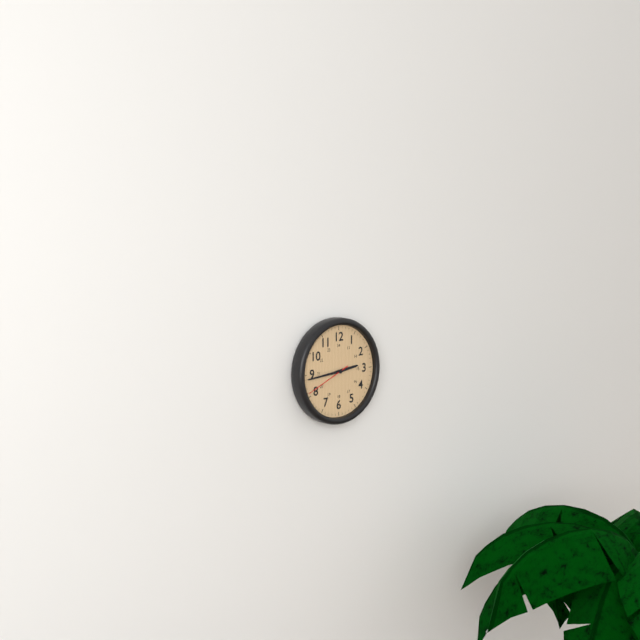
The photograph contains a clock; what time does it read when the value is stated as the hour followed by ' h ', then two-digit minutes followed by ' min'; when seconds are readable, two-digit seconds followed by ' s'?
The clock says 2 h 44 min
